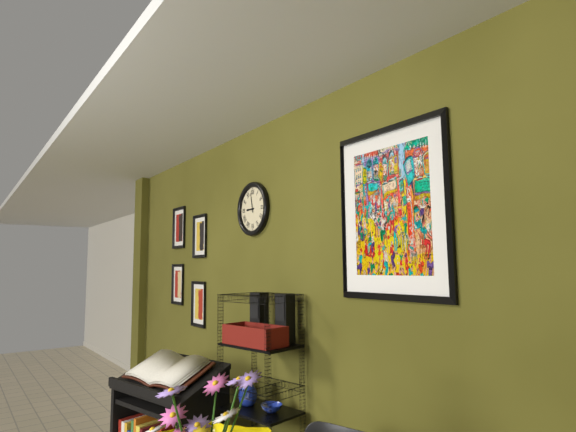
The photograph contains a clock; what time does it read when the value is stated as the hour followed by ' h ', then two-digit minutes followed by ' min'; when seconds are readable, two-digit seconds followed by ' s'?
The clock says 8 h 58 min
